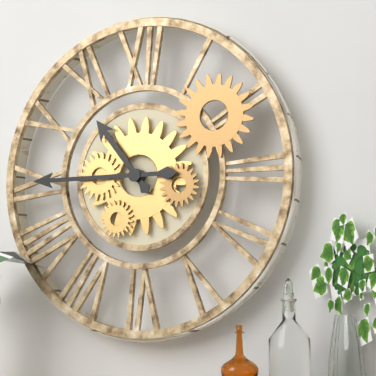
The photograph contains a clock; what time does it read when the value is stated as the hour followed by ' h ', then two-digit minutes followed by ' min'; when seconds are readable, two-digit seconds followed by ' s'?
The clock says 10 h 45 min
